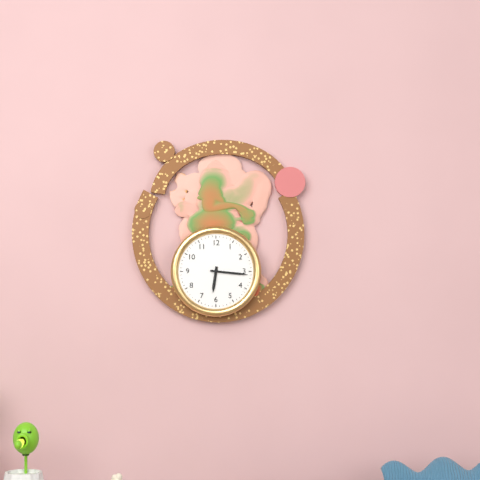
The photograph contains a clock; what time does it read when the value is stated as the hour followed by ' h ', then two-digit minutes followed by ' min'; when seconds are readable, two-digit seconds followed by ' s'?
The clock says 6 h 16 min
